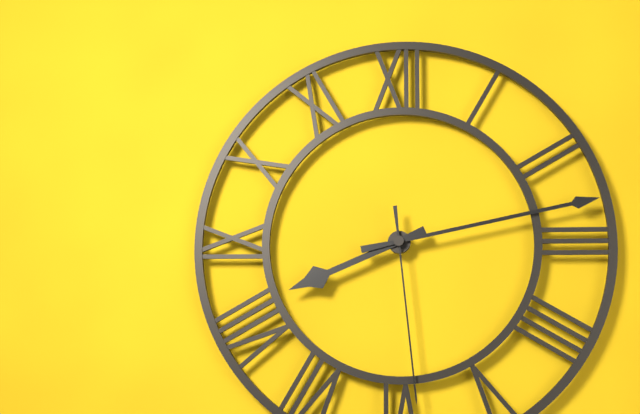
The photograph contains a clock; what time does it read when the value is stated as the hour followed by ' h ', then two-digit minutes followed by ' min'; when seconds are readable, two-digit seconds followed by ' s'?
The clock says 8 h 13 min 29 s
